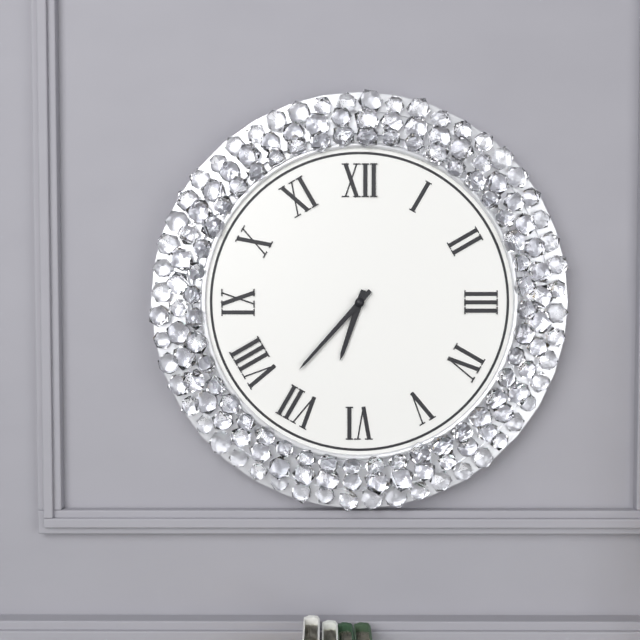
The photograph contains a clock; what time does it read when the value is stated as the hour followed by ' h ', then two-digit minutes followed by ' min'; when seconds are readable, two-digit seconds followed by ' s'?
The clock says 6 h 37 min
